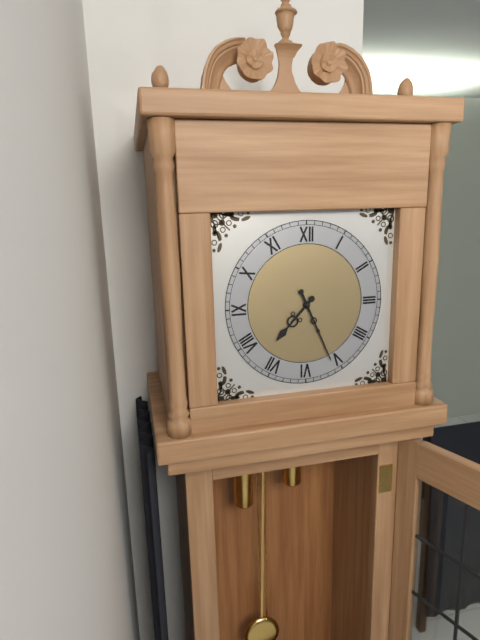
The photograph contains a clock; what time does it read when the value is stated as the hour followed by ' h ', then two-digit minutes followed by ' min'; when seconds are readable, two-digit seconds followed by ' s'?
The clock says 7 h 26 min
